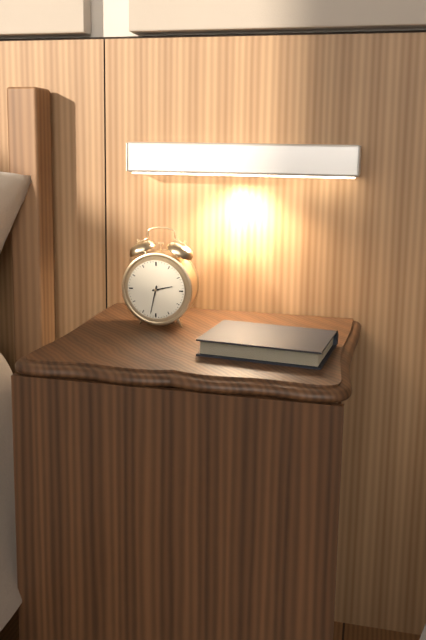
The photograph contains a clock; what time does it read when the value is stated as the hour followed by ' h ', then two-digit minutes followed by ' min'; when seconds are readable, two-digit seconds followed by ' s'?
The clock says 2 h 32 min
